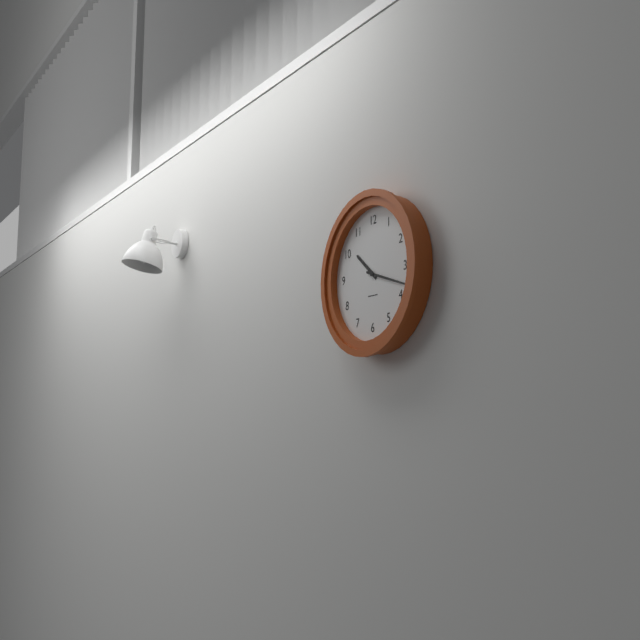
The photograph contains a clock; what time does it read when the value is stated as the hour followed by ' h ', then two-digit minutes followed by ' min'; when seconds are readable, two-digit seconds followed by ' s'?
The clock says 10 h 18 min
